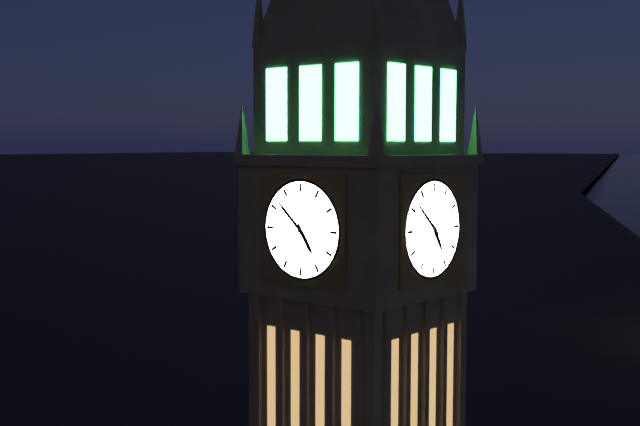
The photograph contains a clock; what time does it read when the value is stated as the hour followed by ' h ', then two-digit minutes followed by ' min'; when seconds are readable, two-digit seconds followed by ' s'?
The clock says 4 h 52 min
